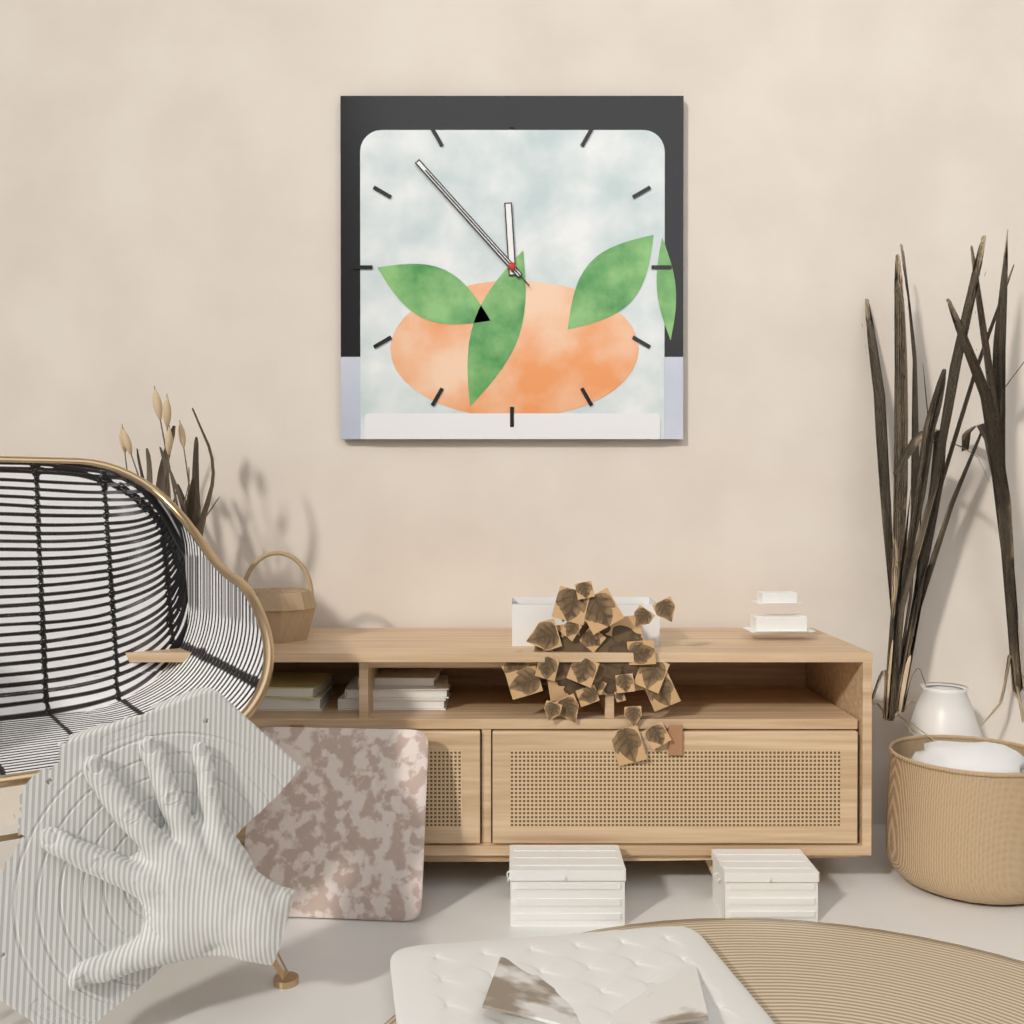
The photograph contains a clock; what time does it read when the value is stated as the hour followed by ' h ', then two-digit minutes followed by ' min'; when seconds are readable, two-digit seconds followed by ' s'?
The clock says 11 h 53 min 53 s
